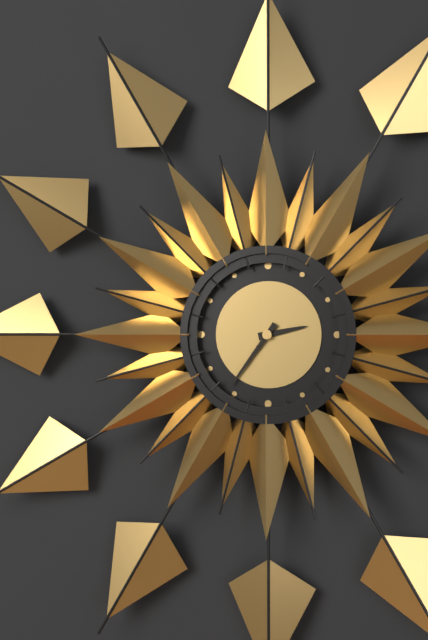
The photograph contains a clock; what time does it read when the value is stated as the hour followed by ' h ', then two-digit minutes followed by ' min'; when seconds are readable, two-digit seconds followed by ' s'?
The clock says 2 h 36 min
